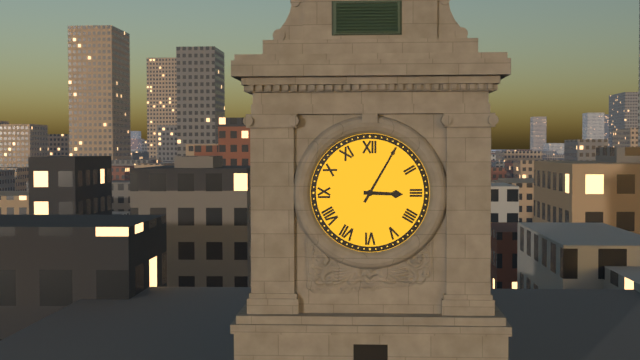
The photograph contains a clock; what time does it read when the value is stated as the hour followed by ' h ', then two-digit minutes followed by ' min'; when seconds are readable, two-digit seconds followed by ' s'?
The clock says 3 h 05 min
